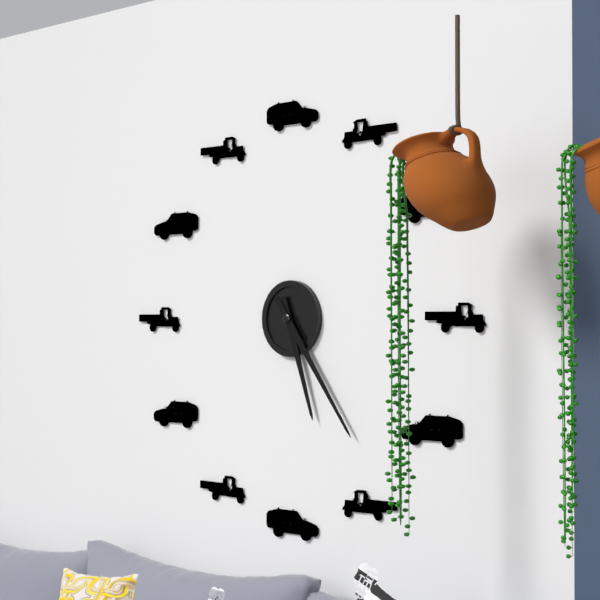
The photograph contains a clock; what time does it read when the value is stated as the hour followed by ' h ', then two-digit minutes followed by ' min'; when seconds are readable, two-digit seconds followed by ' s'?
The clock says 5 h 24 min
